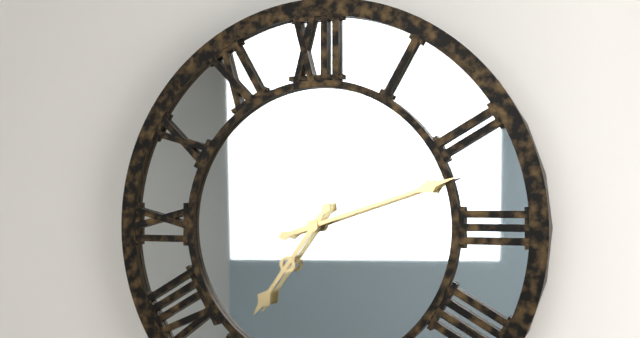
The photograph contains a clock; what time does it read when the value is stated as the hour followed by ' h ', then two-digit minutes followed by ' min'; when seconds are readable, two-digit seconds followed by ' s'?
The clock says 7 h 12 min
